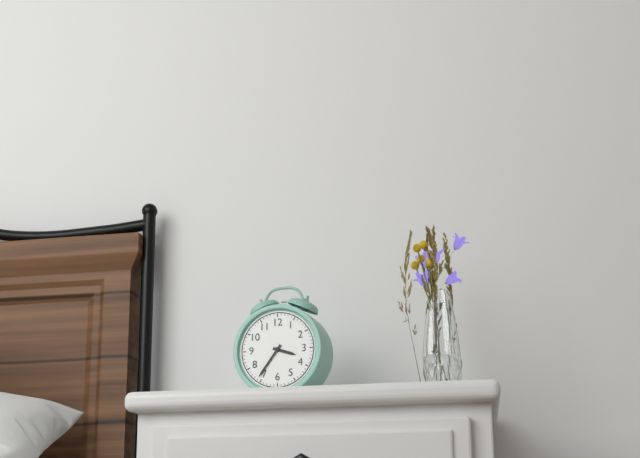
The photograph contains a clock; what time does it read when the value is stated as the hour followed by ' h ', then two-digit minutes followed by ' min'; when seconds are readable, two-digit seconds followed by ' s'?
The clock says 3 h 36 min
